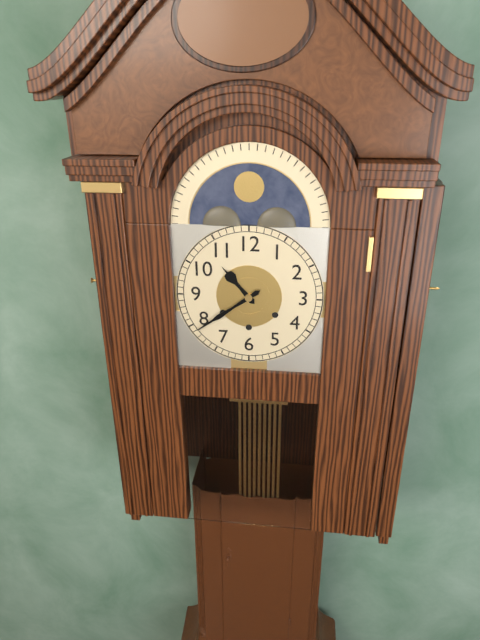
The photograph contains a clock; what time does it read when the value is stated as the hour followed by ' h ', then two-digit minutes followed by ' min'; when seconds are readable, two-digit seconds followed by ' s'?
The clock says 10 h 39 min
